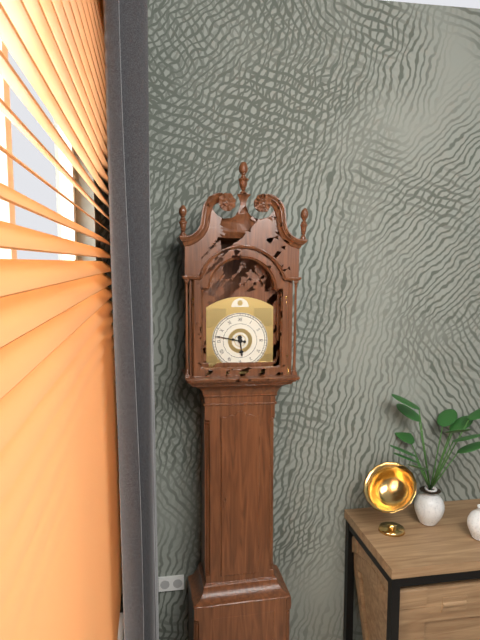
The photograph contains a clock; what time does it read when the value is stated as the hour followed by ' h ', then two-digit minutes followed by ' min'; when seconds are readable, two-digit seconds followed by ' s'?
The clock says 5 h 47 min
